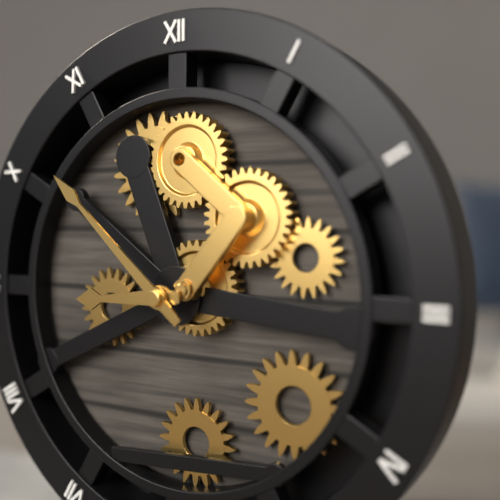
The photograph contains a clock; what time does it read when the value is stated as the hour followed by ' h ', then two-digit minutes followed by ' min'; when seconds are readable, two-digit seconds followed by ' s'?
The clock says 8 h 52 min
